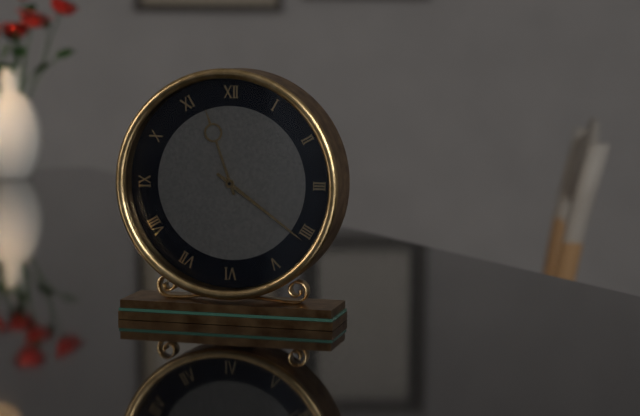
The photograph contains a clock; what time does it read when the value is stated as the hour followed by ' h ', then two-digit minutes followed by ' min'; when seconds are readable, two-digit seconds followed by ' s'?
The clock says 11 h 21 min
